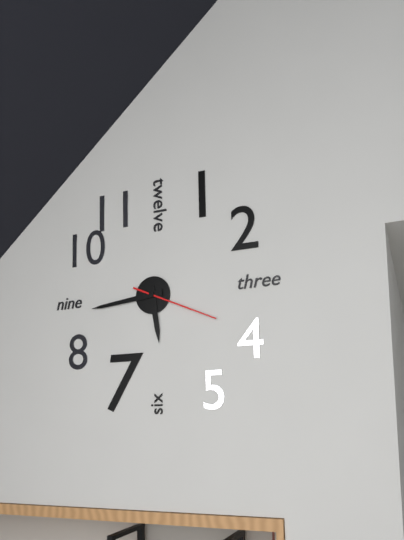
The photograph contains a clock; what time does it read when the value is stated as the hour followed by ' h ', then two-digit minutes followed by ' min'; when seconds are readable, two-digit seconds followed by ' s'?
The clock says 5 h 44 min 19 s
